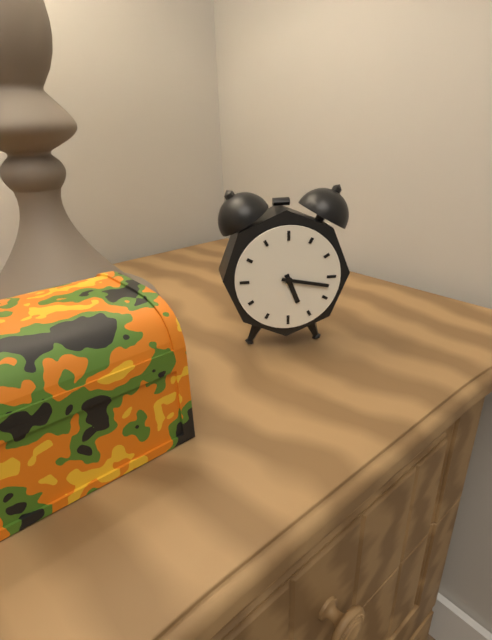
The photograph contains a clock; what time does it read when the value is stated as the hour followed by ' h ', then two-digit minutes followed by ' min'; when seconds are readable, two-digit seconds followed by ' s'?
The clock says 5 h 17 min
